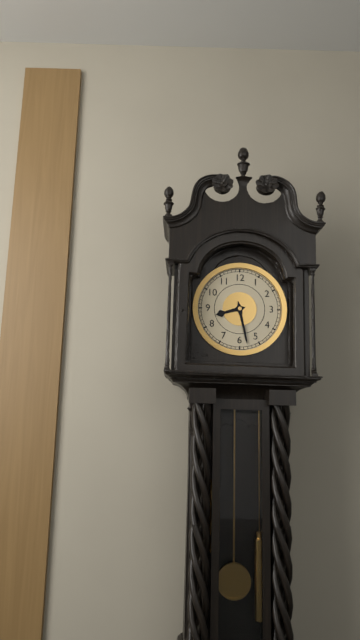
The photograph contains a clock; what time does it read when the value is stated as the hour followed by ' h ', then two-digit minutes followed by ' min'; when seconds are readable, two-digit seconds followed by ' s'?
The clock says 8 h 28 min
